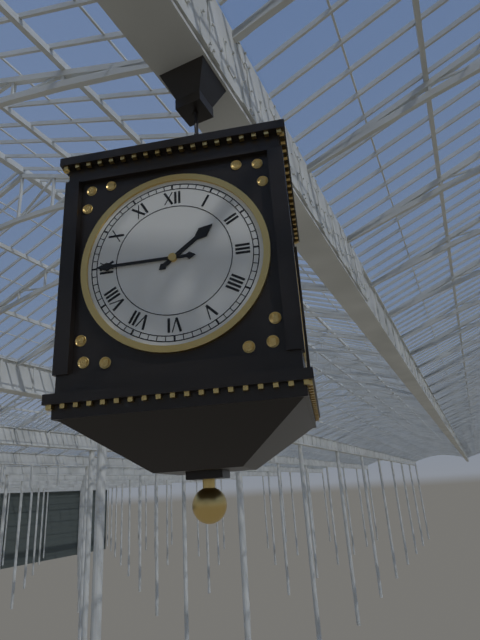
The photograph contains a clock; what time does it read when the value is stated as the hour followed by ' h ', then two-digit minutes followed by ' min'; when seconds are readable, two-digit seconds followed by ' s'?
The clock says 1 h 45 min
